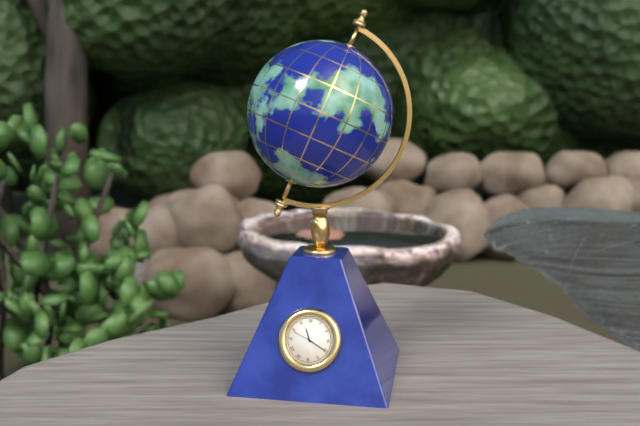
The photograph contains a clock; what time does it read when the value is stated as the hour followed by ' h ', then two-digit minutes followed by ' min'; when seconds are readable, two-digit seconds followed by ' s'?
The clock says 11 h 20 min
